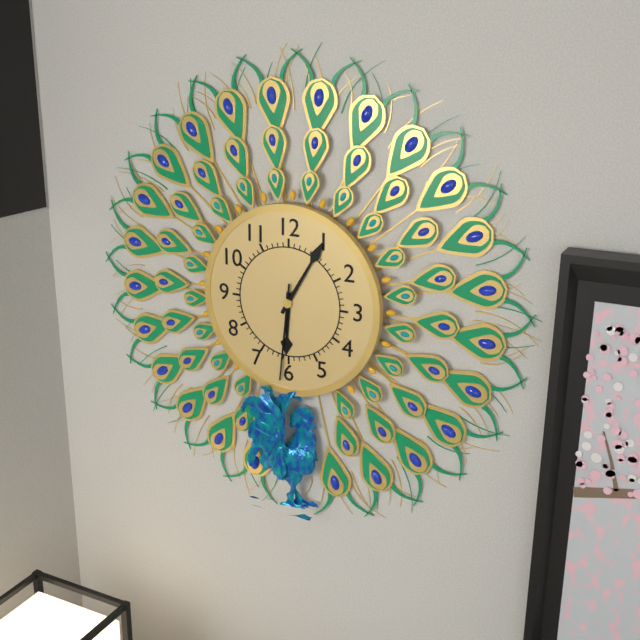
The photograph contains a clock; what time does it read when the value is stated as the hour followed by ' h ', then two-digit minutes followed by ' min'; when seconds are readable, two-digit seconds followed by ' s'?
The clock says 6 h 05 min 31 s
